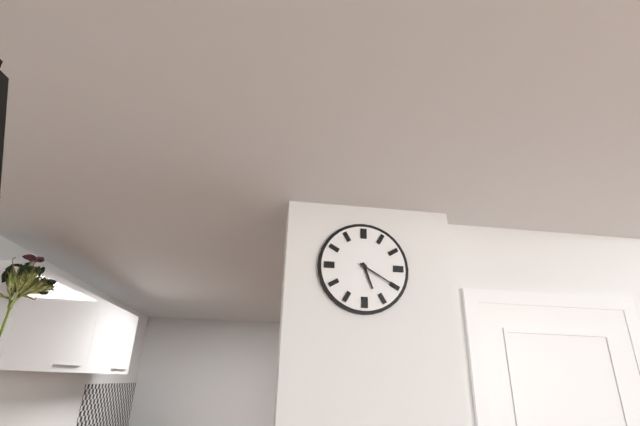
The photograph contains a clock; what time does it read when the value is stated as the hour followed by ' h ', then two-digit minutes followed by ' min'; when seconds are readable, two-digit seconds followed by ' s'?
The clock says 5 h 20 min
